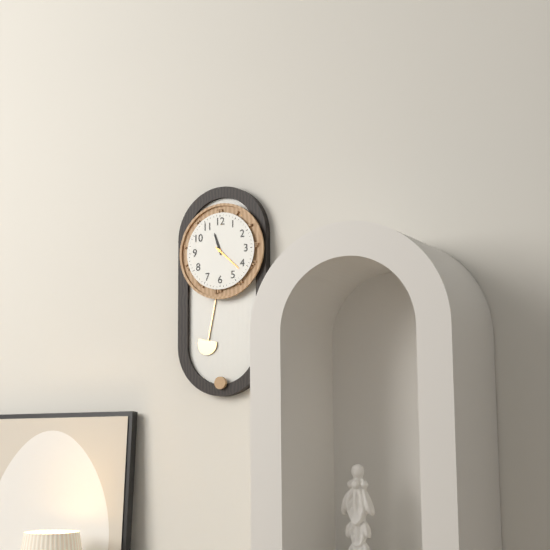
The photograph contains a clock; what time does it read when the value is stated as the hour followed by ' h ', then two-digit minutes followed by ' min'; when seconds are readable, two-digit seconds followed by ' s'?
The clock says 11 h 22 min
